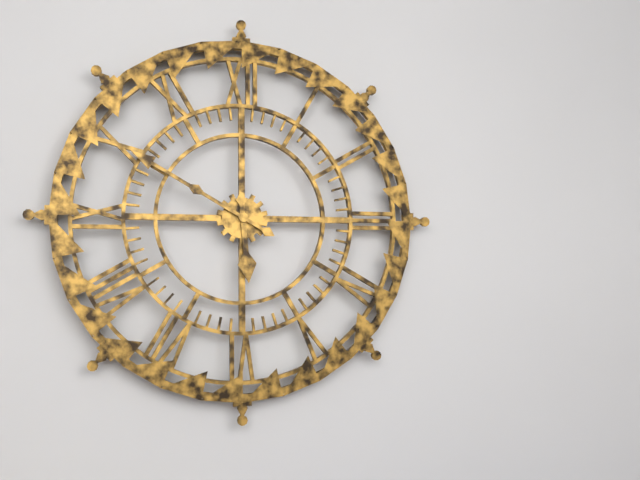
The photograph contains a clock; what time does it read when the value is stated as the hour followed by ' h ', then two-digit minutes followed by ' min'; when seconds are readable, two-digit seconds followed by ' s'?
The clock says 5 h 50 min
